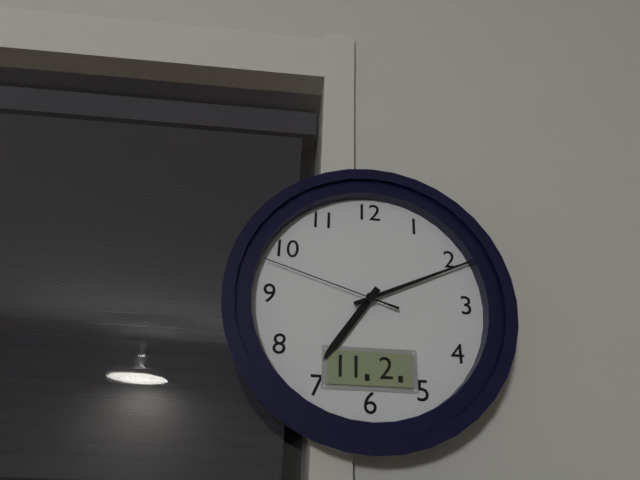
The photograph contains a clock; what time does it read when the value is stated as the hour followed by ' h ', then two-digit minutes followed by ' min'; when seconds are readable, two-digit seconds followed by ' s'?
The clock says 7 h 11 min 48 s
